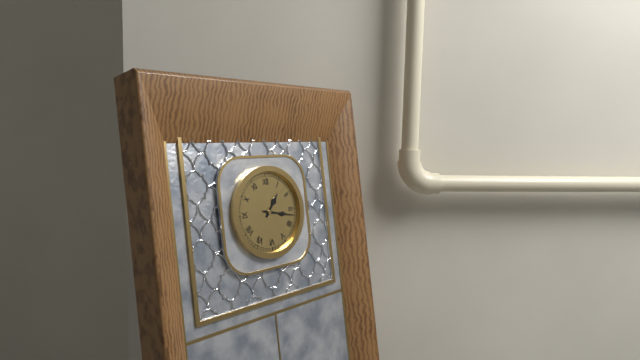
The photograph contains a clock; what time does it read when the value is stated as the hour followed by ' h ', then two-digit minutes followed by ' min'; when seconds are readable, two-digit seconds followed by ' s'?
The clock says 1 h 17 min
